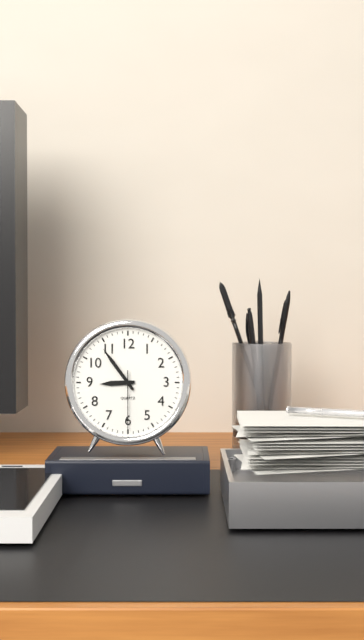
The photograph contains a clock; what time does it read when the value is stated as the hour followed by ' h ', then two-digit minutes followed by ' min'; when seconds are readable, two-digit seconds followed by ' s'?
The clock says 8 h 54 min 30 s
